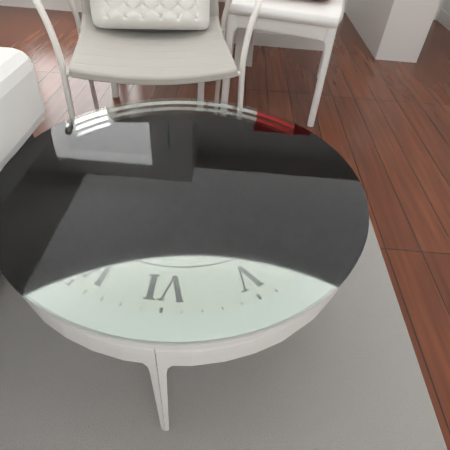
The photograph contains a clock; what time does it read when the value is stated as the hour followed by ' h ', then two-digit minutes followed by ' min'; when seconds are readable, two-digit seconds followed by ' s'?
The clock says 6 h 05 min
